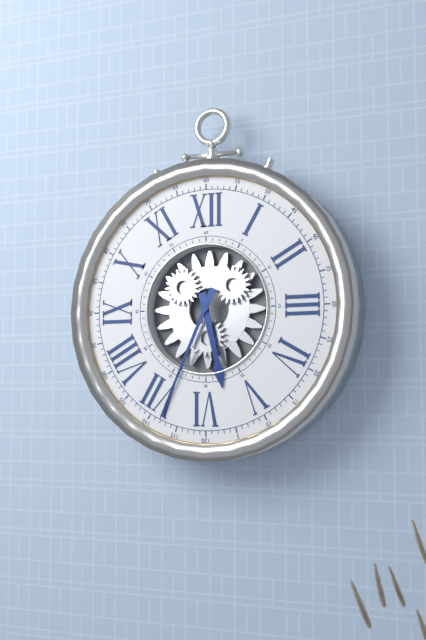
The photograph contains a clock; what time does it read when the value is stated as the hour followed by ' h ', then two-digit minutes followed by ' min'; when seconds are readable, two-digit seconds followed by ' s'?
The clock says 5 h 34 min
